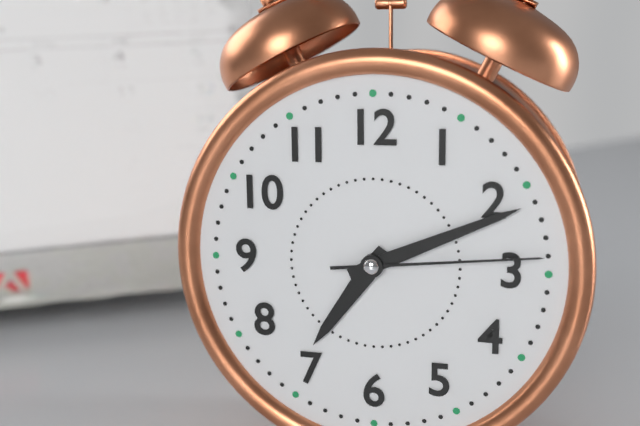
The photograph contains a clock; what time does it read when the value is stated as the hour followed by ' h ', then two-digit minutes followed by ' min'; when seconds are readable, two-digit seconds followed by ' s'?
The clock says 7 h 11 min 14 s
